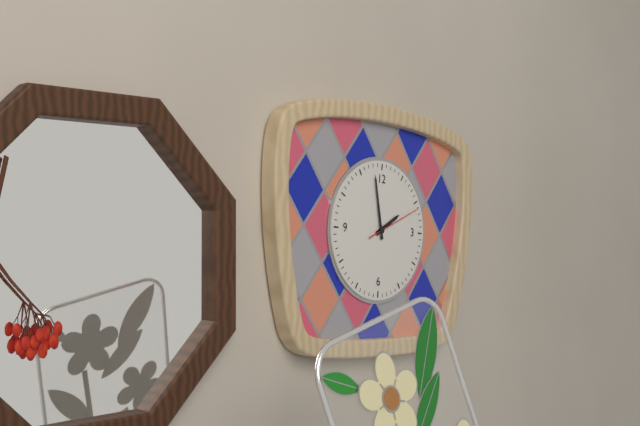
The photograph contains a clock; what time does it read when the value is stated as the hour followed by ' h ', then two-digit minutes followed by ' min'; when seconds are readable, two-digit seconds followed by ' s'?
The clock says 1 h 58 min 11 s
